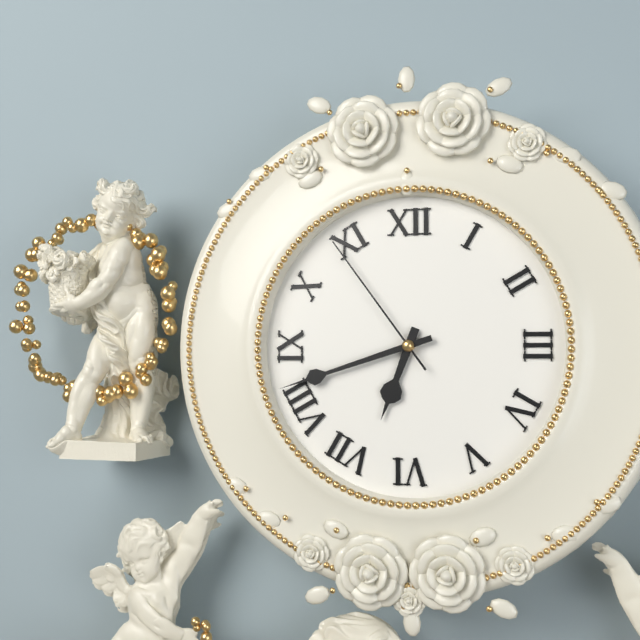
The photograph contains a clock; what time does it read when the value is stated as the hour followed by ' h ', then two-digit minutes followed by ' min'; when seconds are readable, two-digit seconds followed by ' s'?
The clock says 6 h 42 min 54 s
